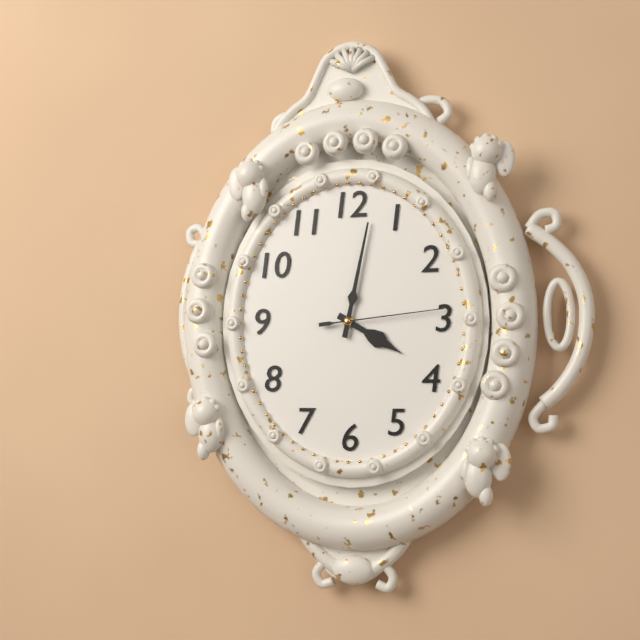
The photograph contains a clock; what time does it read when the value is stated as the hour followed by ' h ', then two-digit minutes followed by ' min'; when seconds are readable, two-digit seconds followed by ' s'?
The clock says 4 h 02 min 14 s
